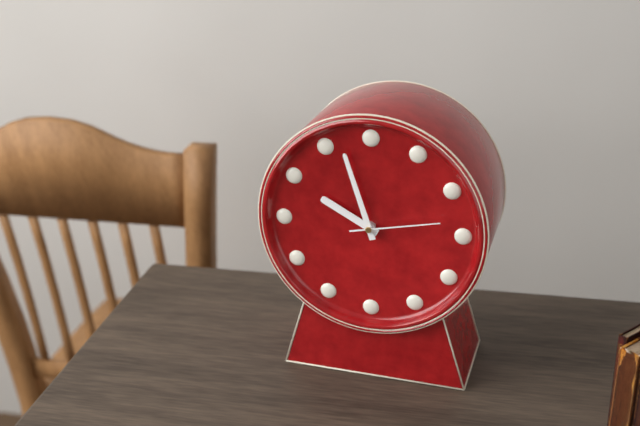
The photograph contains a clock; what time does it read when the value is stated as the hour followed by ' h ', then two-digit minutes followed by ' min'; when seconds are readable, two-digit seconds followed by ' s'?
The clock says 9 h 57 min 13 s
